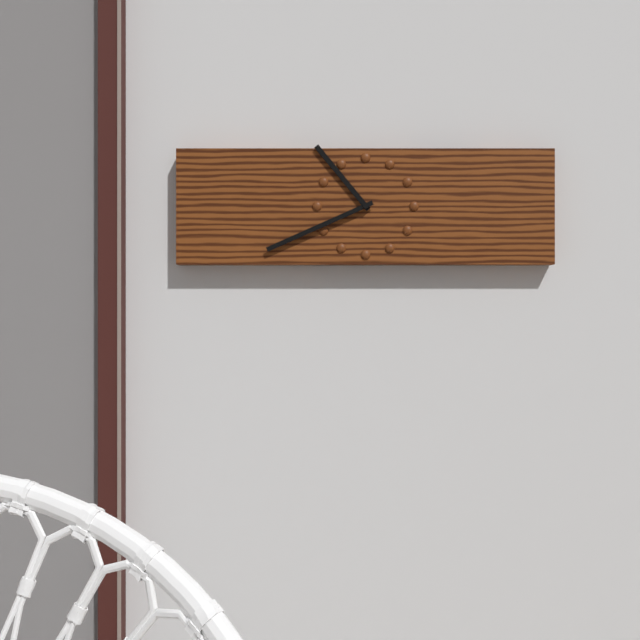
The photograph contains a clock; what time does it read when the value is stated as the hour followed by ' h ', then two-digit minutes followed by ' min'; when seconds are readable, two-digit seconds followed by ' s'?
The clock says 10 h 41 min
